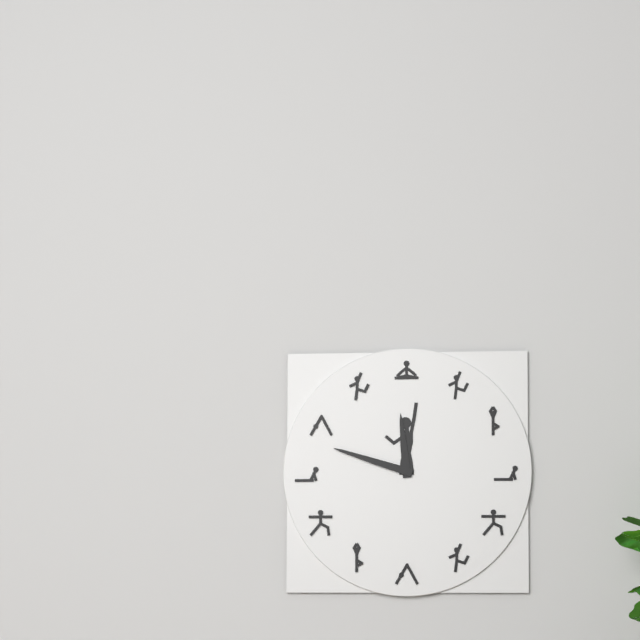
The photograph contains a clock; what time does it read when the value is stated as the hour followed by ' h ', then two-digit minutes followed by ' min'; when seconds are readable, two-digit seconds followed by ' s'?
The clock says 11 h 48 min
